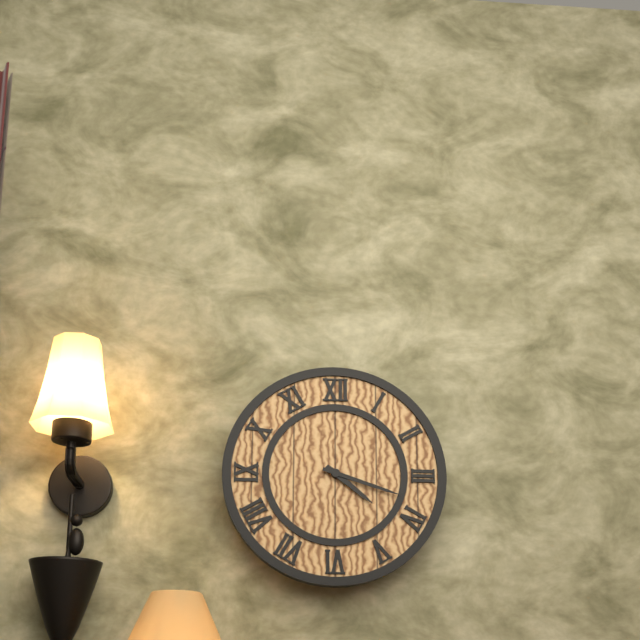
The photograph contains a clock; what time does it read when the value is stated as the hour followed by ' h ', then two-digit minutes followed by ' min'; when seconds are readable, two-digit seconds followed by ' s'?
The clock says 4 h 18 min
